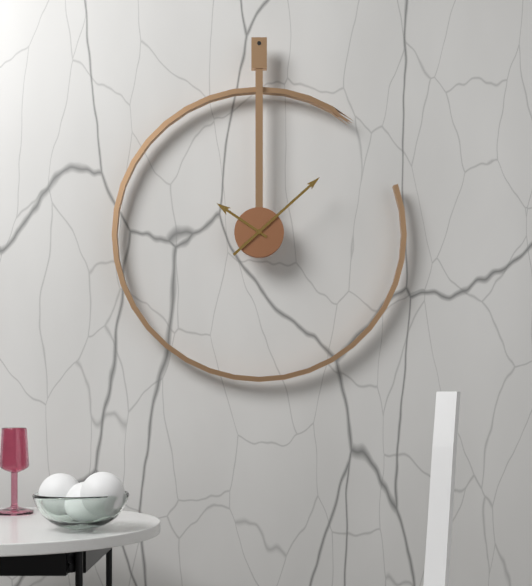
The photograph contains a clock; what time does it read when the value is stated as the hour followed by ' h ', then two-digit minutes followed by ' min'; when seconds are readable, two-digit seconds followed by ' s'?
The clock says 10 h 08 min
